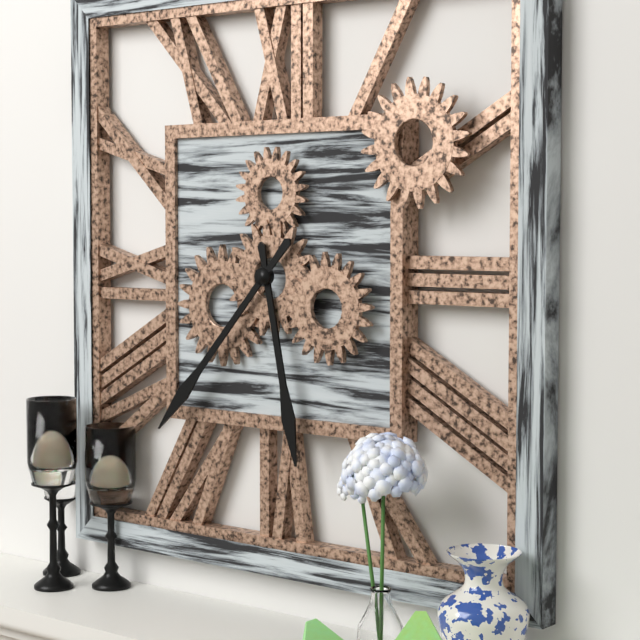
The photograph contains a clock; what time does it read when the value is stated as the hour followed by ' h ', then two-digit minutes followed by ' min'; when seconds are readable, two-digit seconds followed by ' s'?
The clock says 5 h 37 min
